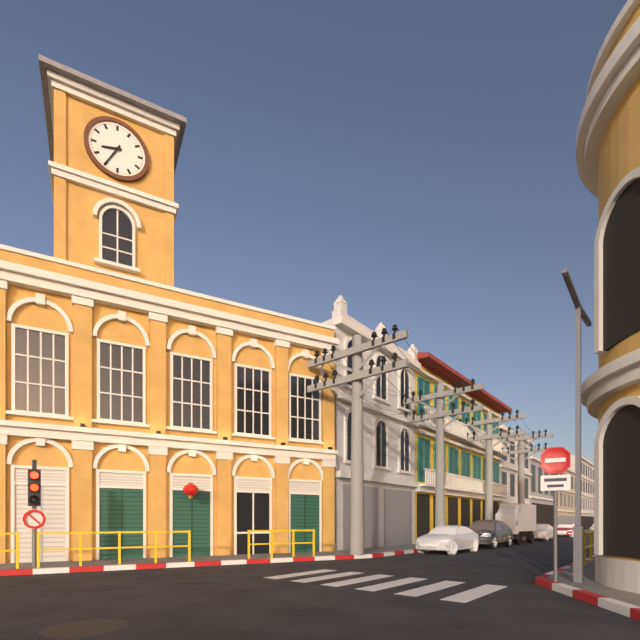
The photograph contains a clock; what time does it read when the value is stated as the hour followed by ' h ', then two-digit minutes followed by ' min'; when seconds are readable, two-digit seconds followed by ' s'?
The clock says 8 h 35 min
